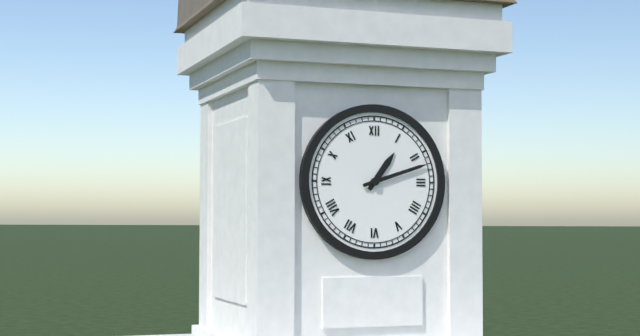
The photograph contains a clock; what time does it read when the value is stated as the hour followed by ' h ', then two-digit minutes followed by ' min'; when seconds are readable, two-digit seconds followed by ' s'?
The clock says 1 h 12 min
